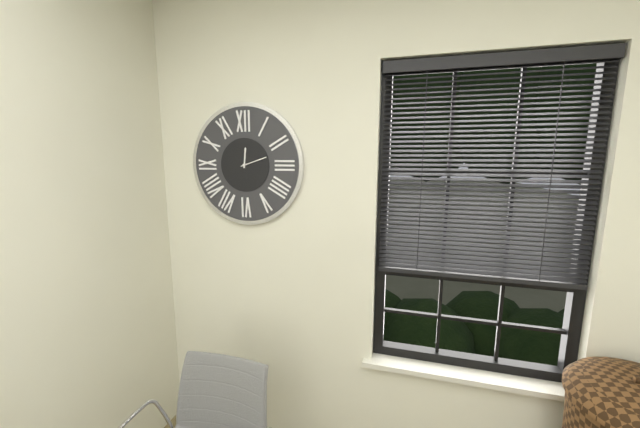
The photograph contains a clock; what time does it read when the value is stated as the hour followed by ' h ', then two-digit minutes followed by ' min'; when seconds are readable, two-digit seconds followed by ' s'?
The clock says 12 h 12 min
